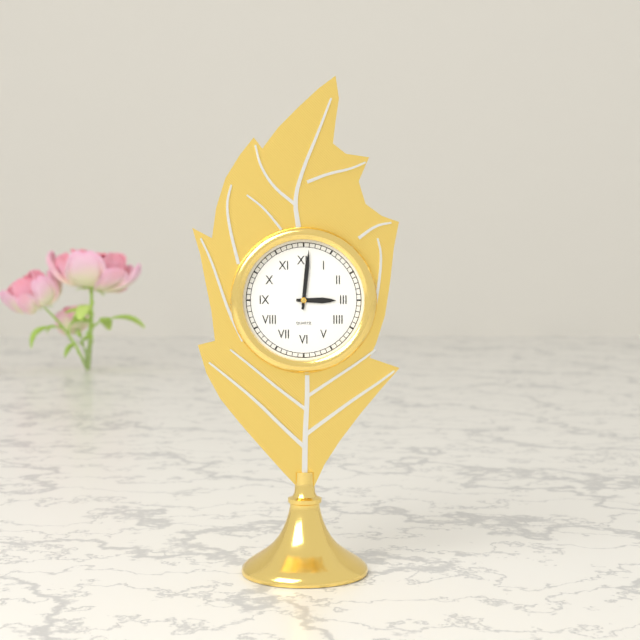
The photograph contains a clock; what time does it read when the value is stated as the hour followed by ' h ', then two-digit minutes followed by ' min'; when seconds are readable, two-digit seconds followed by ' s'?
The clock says 3 h 01 min
